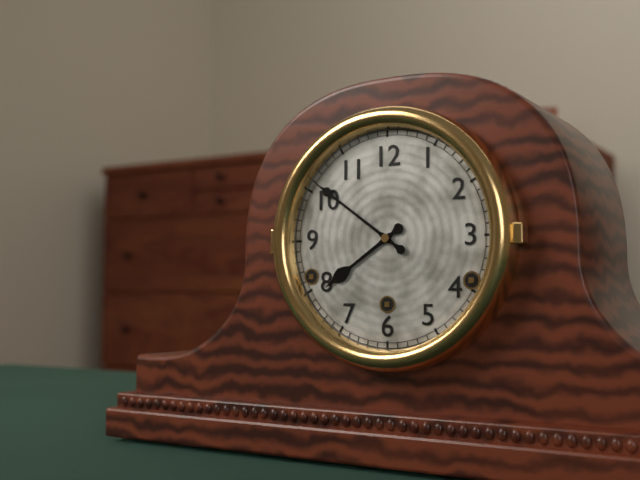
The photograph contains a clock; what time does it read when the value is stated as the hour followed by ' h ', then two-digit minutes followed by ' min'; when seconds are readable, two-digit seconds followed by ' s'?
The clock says 7 h 51 min
